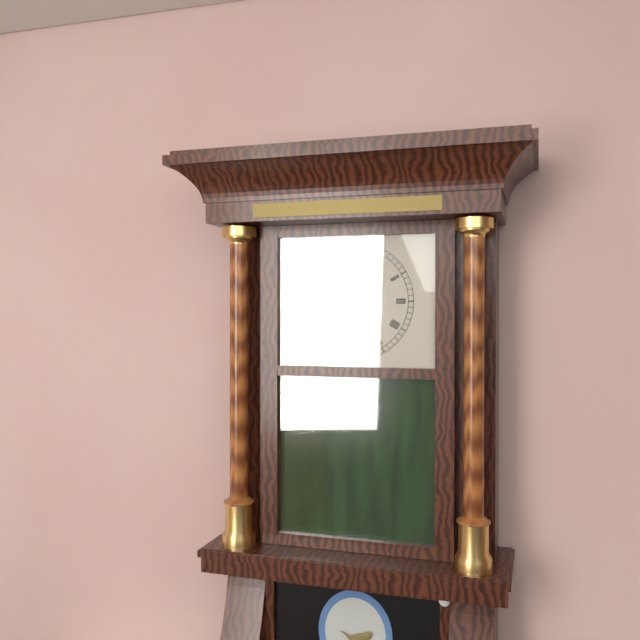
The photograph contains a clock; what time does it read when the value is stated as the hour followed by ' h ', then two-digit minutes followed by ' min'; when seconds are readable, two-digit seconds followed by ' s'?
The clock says 9 h 02 min
